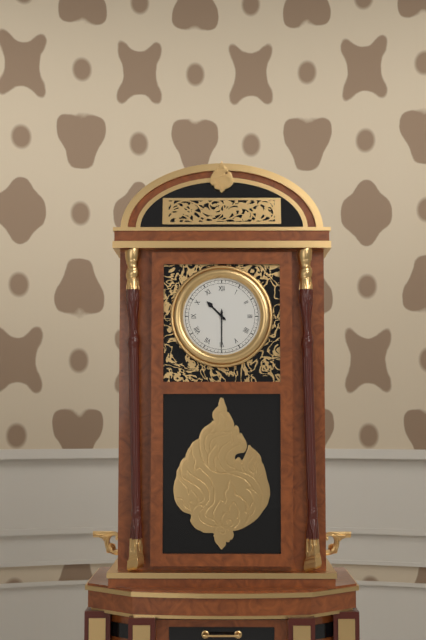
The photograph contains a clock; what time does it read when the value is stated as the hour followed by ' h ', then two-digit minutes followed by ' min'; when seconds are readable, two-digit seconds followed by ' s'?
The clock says 10 h 30 min
